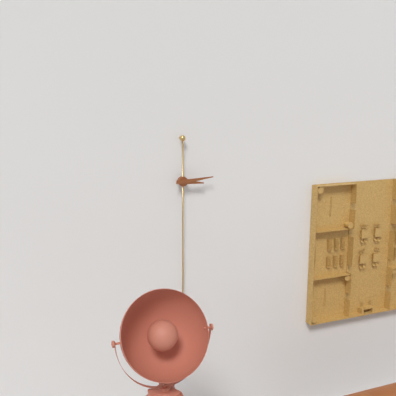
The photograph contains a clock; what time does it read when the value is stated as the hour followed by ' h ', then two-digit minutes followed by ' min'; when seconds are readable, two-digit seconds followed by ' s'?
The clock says 3 h 14 min
